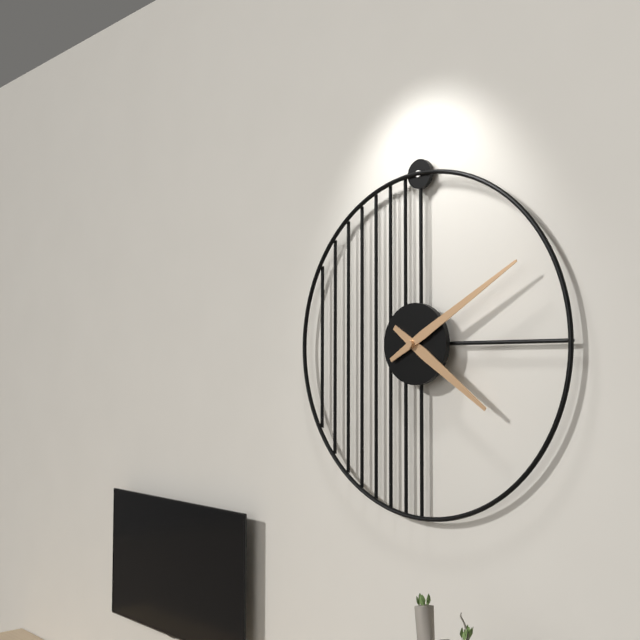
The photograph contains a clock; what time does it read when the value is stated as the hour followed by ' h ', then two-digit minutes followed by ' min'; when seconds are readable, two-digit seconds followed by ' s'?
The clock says 4 h 10 min
